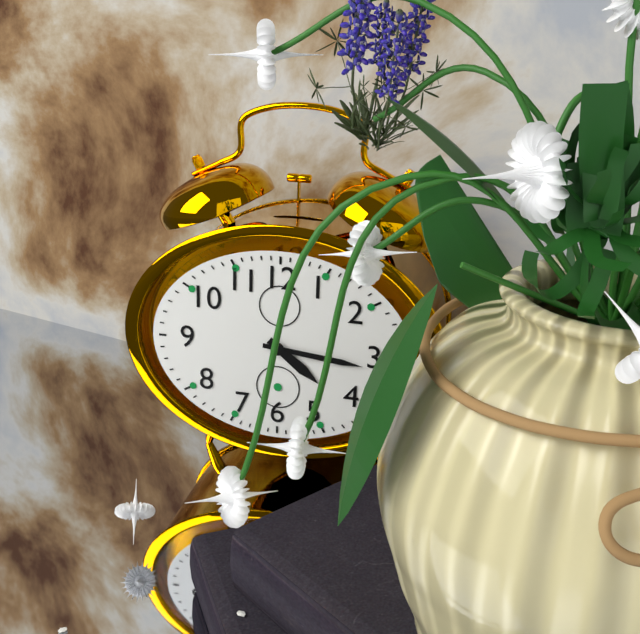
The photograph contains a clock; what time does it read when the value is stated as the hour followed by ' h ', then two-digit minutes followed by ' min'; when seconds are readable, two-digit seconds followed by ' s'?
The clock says 4 h 16 min
